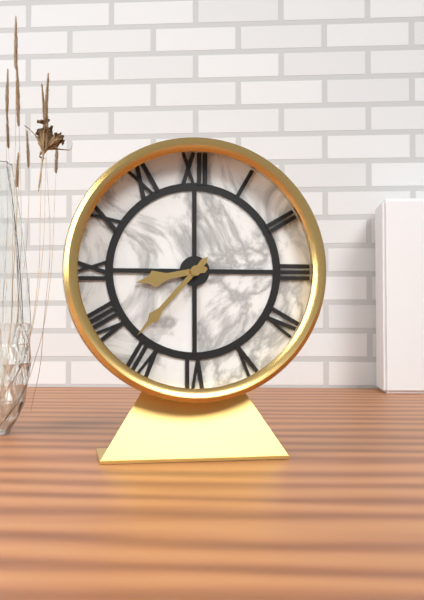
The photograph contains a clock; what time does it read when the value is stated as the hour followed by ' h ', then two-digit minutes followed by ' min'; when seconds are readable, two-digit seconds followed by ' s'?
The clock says 8 h 37 min
